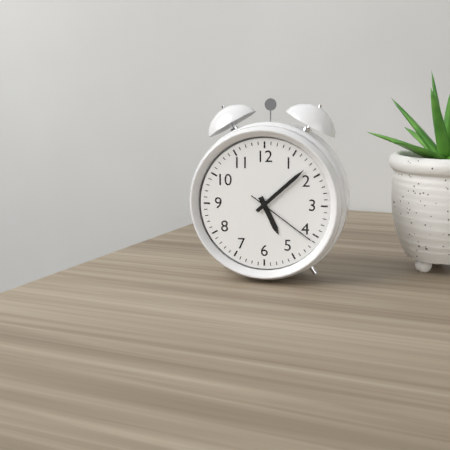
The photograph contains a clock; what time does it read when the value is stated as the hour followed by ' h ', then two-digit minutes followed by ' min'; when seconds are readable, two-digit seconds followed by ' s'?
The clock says 5 h 08 min 21 s
